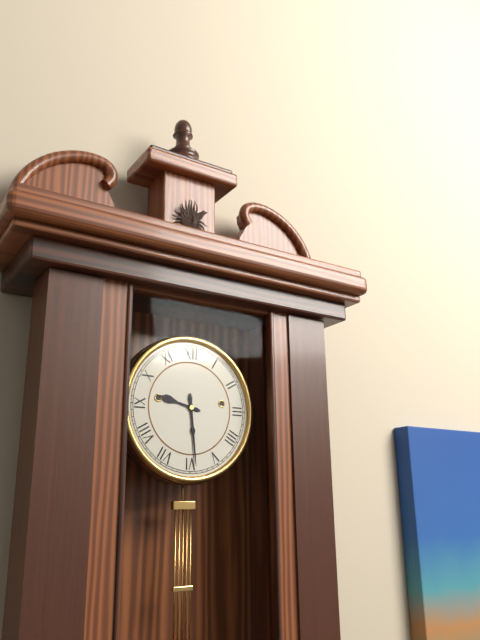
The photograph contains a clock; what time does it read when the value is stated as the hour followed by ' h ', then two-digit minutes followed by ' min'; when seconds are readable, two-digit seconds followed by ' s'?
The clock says 9 h 29 min
